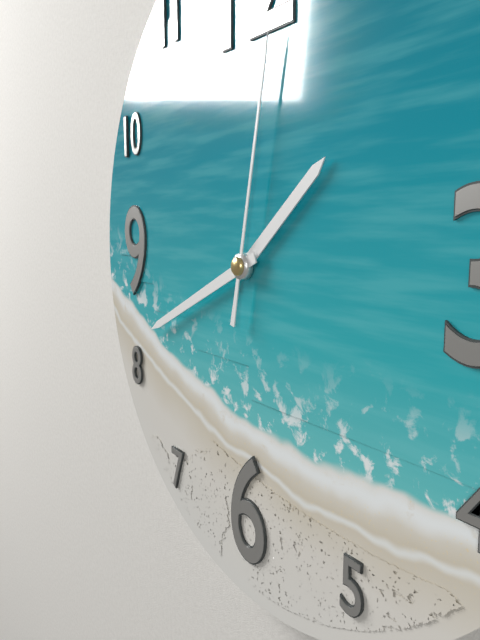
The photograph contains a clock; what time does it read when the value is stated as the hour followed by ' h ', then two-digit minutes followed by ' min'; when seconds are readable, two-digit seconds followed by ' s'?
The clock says 1 h 41 min 02 s
